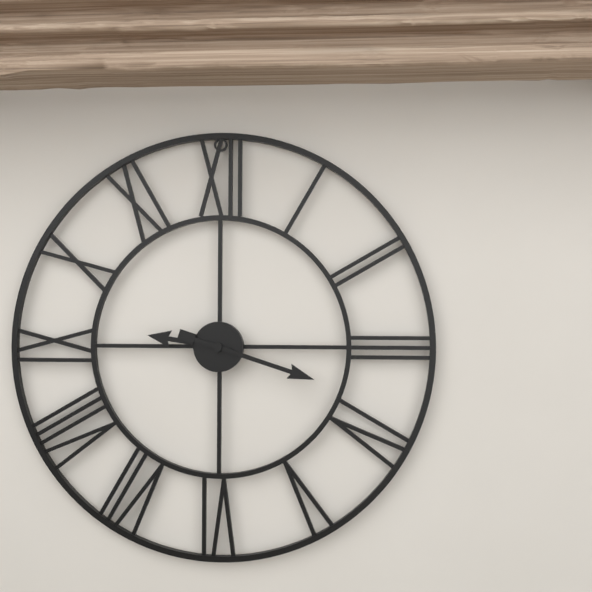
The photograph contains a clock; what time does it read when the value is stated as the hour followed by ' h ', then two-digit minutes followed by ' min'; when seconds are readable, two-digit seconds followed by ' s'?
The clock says 9 h 18 min
